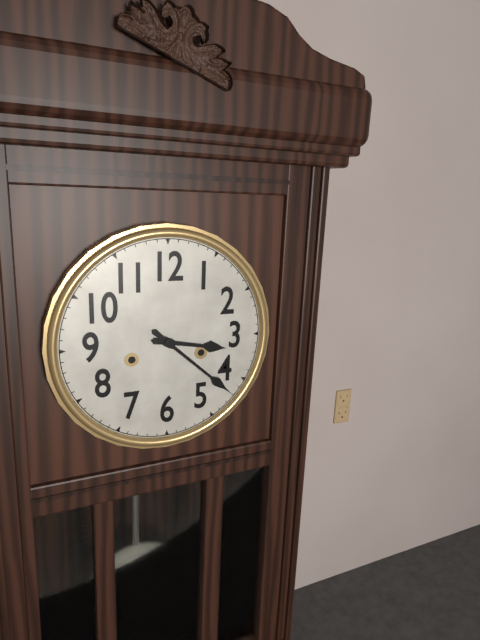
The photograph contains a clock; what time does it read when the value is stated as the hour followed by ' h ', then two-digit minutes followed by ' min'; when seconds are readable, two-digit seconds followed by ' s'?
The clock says 3 h 22 min
